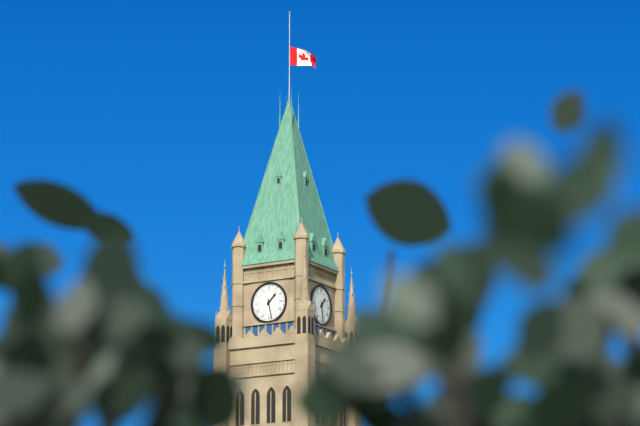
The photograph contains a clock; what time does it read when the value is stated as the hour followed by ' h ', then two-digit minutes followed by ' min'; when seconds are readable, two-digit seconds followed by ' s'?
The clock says 1 h 28 min
